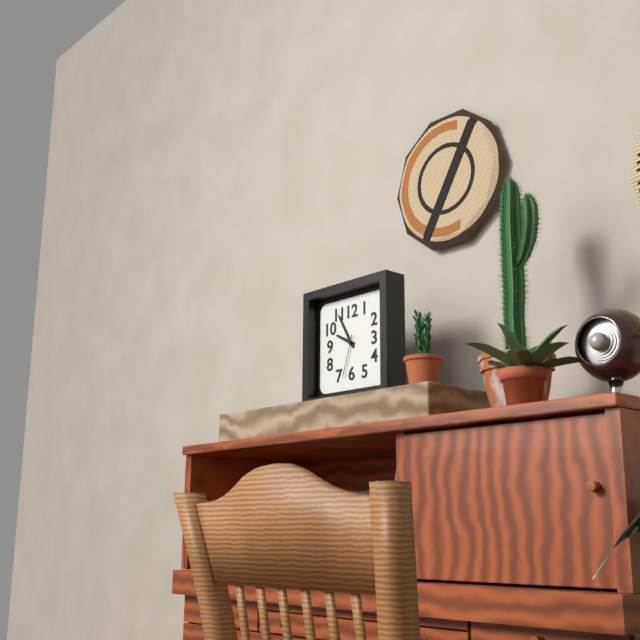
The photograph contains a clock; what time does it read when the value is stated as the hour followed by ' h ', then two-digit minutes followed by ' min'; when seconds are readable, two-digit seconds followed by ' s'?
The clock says 9 h 55 min
